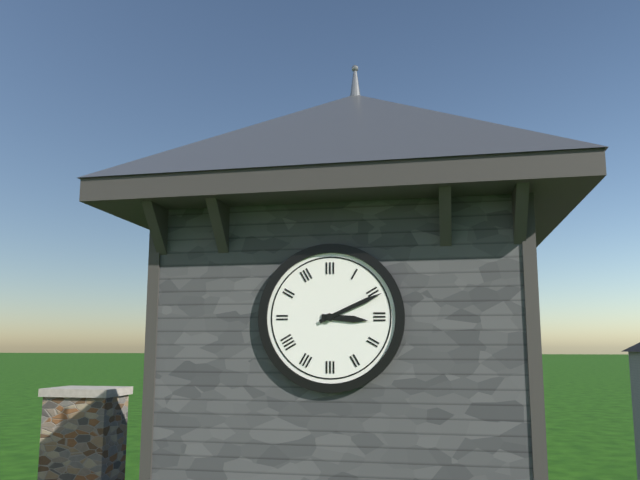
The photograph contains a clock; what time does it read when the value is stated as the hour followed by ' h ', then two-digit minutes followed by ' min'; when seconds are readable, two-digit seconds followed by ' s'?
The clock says 3 h 11 min
